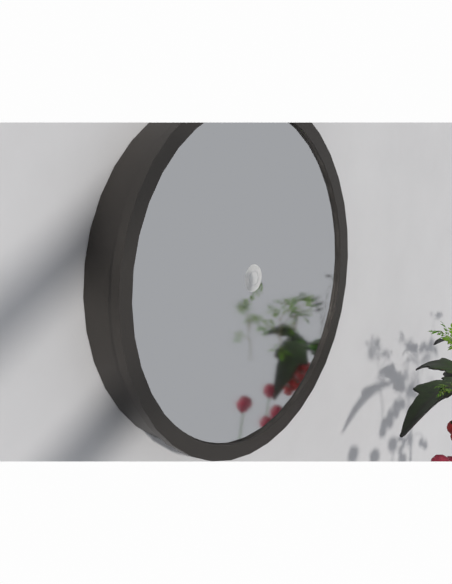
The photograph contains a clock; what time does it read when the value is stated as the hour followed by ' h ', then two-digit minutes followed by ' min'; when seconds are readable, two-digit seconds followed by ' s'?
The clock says 7 h 24 min
